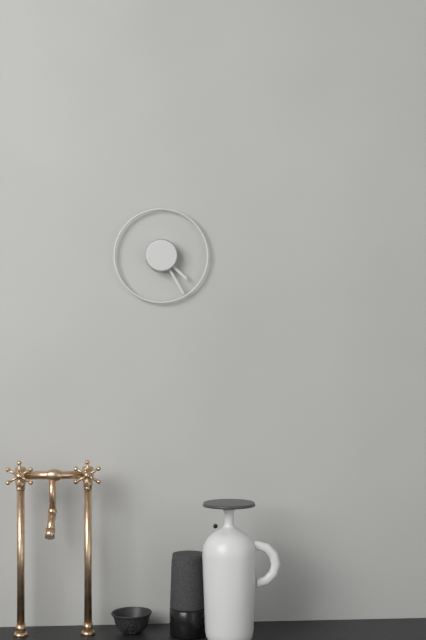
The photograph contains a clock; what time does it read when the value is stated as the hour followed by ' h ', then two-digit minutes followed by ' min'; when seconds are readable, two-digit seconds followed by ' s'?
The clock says 4 h 25 min
